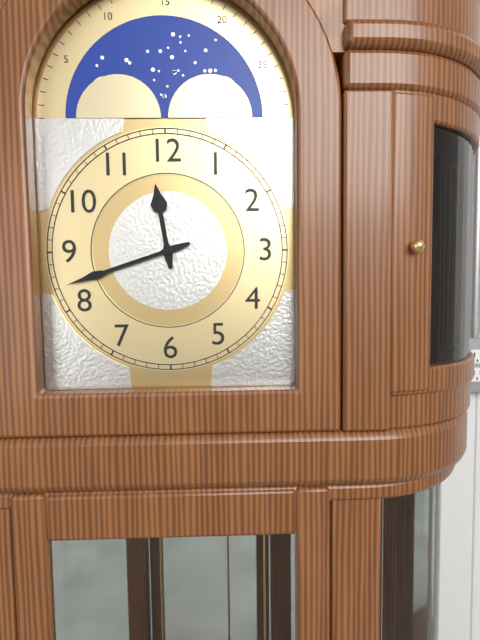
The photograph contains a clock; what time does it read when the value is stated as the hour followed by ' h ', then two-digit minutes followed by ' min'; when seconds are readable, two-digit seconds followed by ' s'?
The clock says 11 h 42 min
